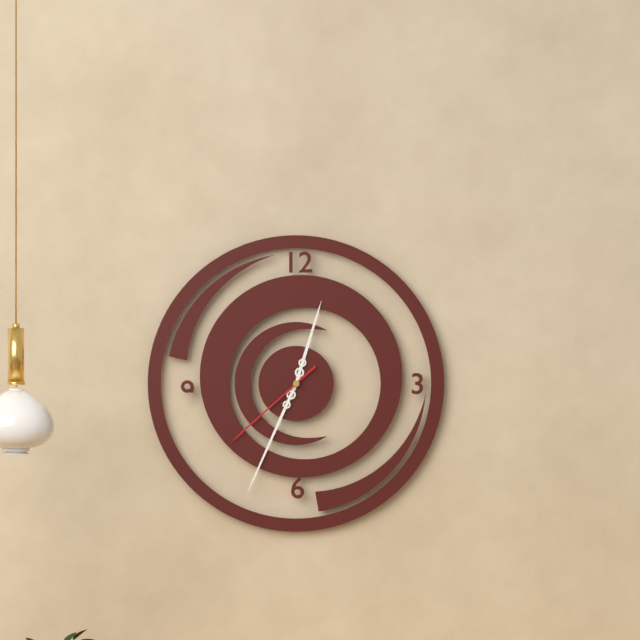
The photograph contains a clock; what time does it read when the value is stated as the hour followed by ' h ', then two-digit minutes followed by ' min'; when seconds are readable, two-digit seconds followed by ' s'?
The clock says 12 h 34 min 38 s
